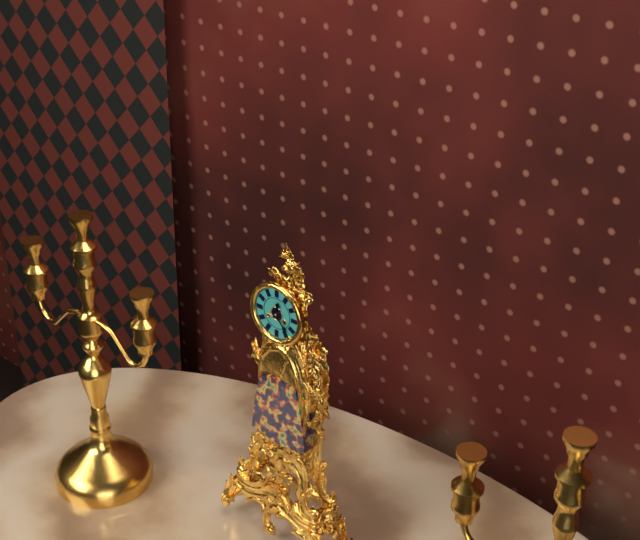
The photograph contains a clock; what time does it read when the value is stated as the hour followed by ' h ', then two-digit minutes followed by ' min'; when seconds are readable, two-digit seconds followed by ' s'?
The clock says 12 h 23 min
